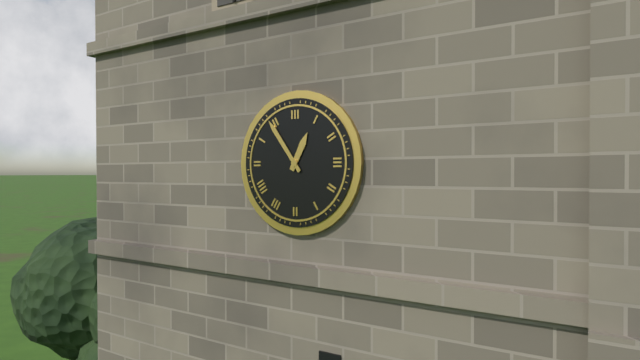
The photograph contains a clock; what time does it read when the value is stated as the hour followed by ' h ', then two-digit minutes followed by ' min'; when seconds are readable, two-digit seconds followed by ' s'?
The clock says 12 h 54 min
